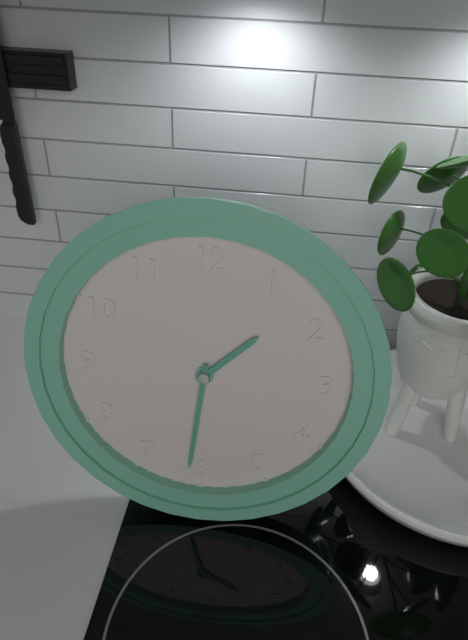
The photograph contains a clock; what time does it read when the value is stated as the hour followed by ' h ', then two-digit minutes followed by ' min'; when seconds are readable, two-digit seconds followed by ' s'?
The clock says 1 h 31 min
